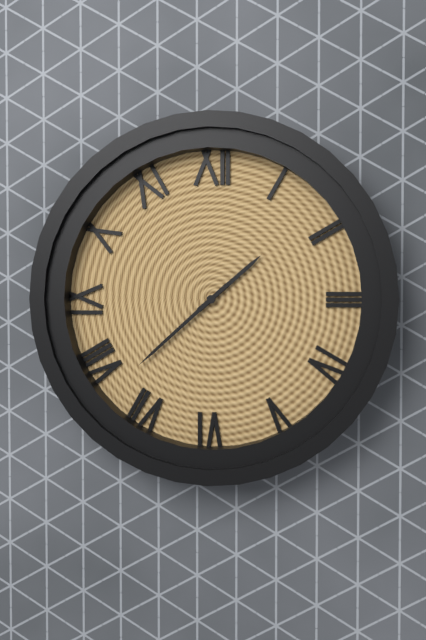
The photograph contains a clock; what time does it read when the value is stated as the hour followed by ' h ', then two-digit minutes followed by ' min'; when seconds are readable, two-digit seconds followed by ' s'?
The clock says 1 h 38 min
